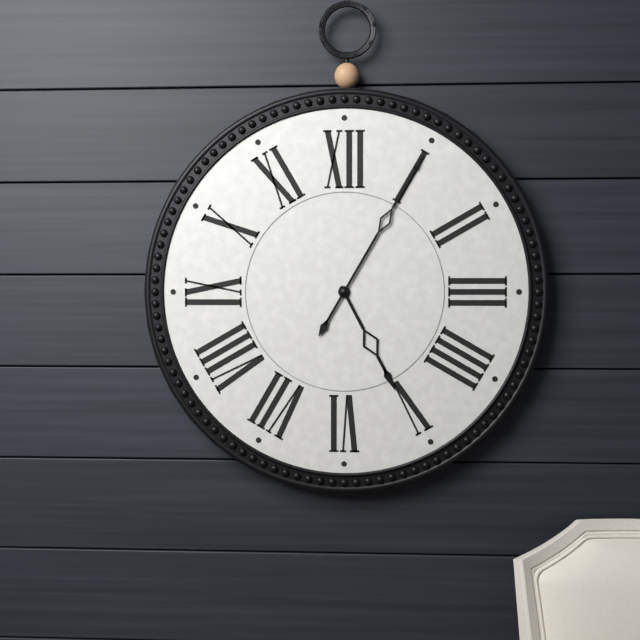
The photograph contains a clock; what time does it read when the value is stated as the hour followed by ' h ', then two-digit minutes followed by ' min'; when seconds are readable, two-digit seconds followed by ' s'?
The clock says 5 h 05 min
